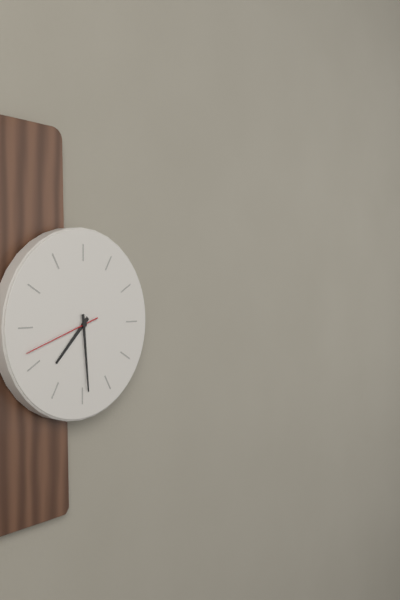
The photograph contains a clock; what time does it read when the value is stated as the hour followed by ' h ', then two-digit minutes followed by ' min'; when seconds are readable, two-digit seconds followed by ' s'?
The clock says 7 h 29 min 42 s
